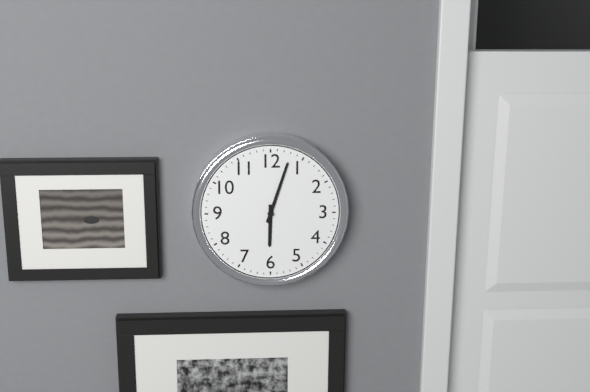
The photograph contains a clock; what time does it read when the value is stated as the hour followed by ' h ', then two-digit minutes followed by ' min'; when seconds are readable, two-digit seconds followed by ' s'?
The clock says 6 h 03 min
